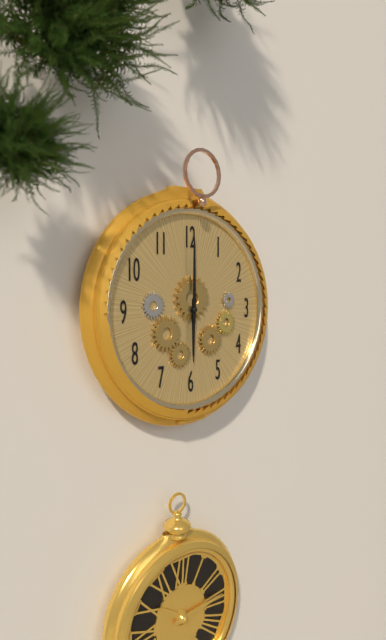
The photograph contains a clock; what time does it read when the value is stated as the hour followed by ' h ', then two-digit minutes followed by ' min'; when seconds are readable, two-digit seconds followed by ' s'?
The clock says 6 h 00 min
